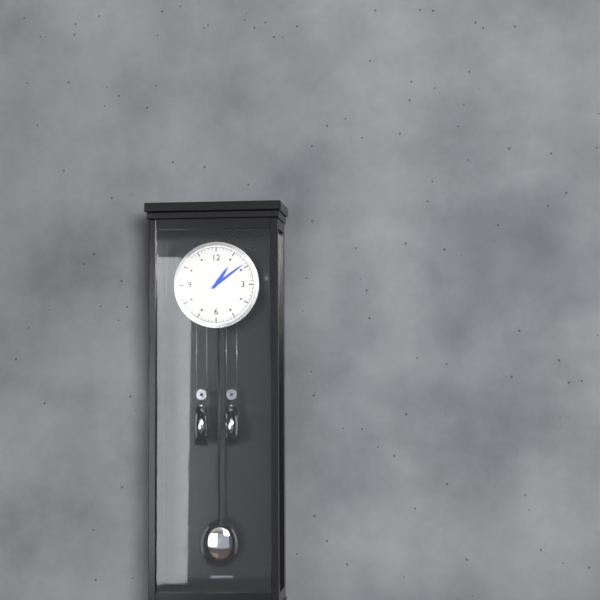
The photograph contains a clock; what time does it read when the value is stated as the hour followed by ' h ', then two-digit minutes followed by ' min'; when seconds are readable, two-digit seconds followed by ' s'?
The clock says 1 h 09 min
